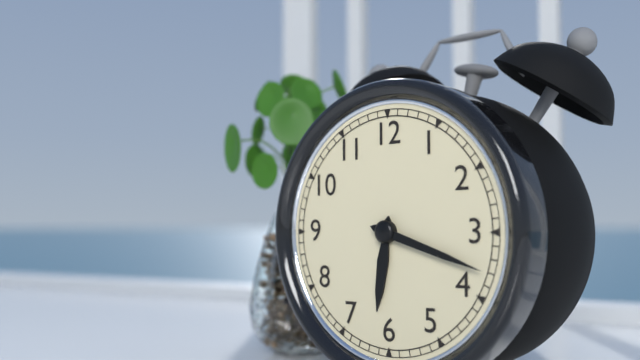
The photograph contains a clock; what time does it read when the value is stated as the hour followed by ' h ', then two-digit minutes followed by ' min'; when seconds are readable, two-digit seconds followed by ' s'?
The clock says 6 h 18 min
